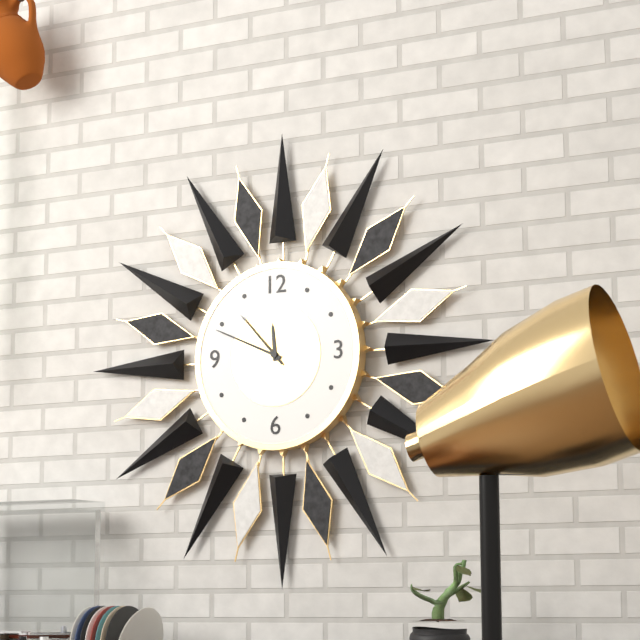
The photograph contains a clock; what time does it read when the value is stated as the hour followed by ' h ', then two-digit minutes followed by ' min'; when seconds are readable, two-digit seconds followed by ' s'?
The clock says 11 h 49 min 53 s
